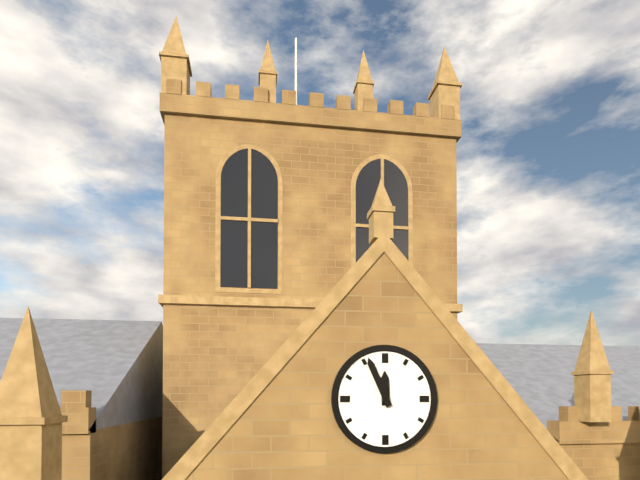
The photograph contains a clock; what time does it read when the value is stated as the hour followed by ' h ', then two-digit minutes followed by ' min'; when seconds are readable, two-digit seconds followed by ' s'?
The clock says 11 h 56 min
